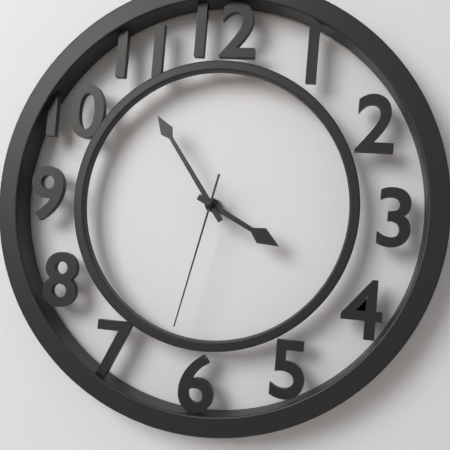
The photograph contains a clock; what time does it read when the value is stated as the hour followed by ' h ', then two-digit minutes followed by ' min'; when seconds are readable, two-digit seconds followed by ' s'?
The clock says 3 h 54 min 32 s
